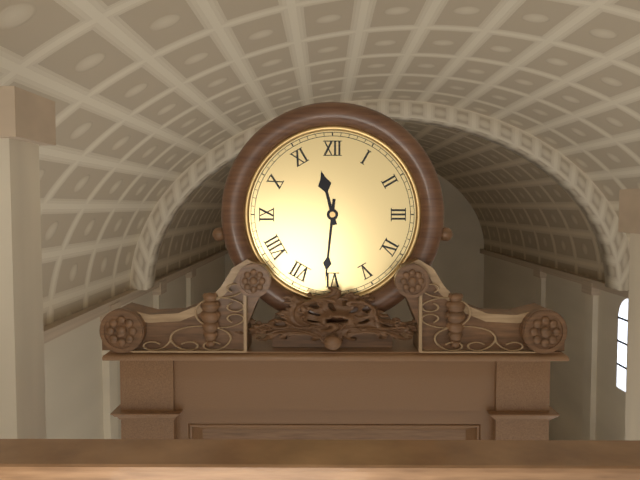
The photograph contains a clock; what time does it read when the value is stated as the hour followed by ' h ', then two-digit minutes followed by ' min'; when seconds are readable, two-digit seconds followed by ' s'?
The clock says 11 h 31 min
